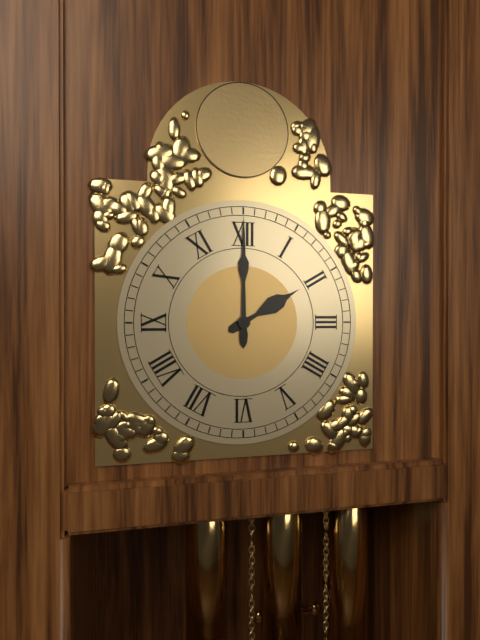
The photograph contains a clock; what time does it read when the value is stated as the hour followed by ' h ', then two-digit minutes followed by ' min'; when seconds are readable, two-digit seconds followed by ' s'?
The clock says 2 h 00 min
